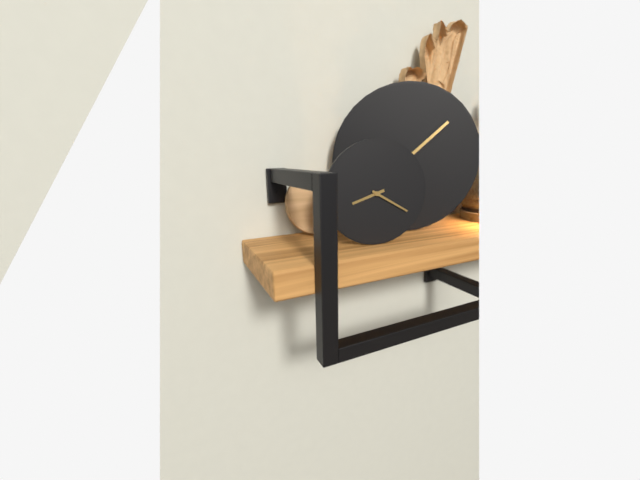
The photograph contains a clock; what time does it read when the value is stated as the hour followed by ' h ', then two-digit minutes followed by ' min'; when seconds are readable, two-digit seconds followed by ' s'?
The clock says 8 h 20 min
